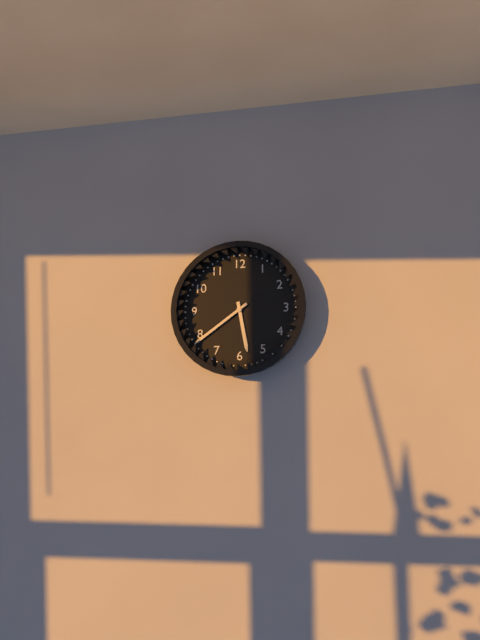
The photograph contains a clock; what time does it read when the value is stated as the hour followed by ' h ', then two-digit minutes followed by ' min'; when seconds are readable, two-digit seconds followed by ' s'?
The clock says 5 h 39 min
